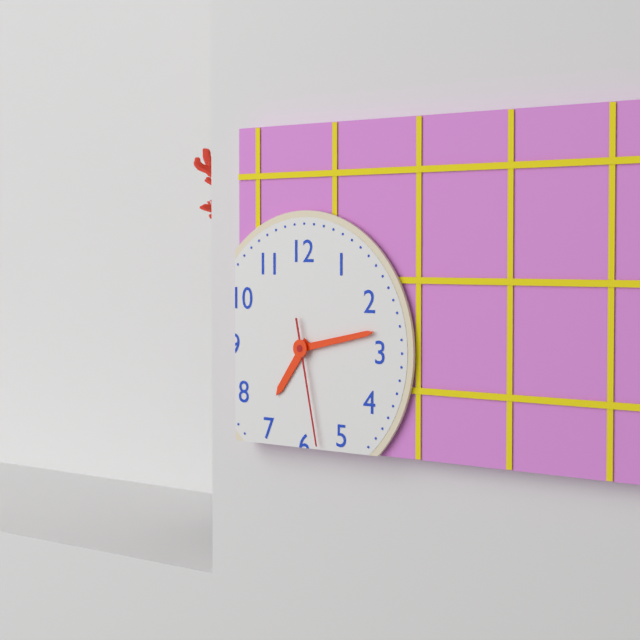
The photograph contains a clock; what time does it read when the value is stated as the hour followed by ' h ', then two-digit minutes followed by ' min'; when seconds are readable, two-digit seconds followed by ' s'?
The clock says 7 h 13 min 28 s
